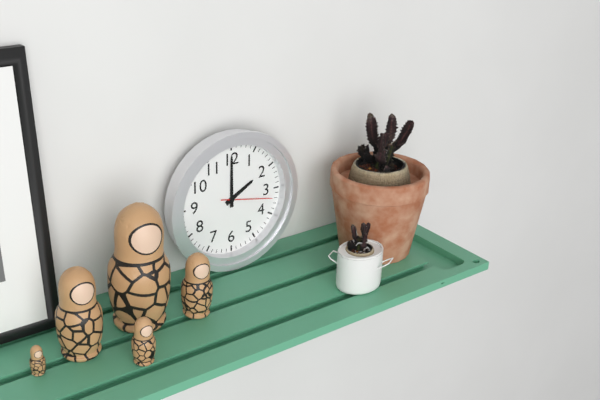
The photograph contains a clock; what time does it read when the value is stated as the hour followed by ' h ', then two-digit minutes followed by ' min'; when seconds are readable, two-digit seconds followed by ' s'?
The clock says 2 h 00 min 17 s
